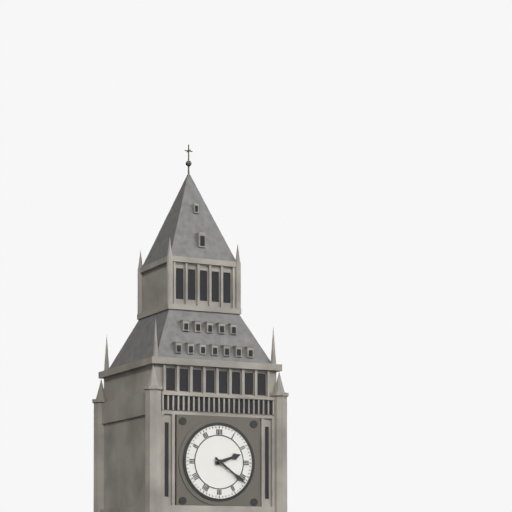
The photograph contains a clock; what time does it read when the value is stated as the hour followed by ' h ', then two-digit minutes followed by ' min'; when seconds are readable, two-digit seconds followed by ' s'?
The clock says 2 h 21 min
